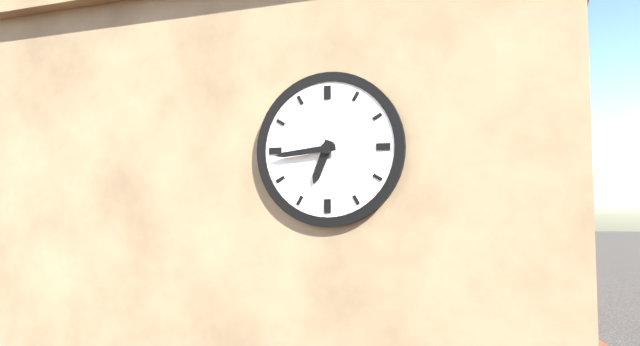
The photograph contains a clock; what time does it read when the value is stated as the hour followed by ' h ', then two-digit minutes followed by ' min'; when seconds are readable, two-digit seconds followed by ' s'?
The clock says 6 h 44 min
